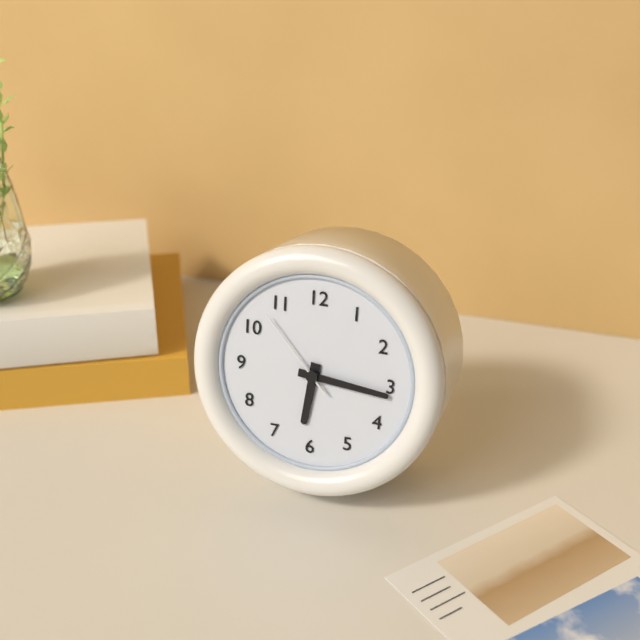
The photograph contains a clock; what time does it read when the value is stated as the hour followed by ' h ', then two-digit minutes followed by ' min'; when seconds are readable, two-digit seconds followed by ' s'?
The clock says 6 h 16 min 53 s
